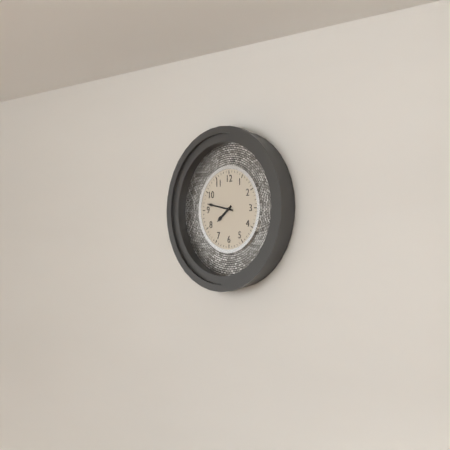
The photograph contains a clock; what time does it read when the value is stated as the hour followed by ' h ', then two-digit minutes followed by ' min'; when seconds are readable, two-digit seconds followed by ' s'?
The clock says 7 h 47 min
